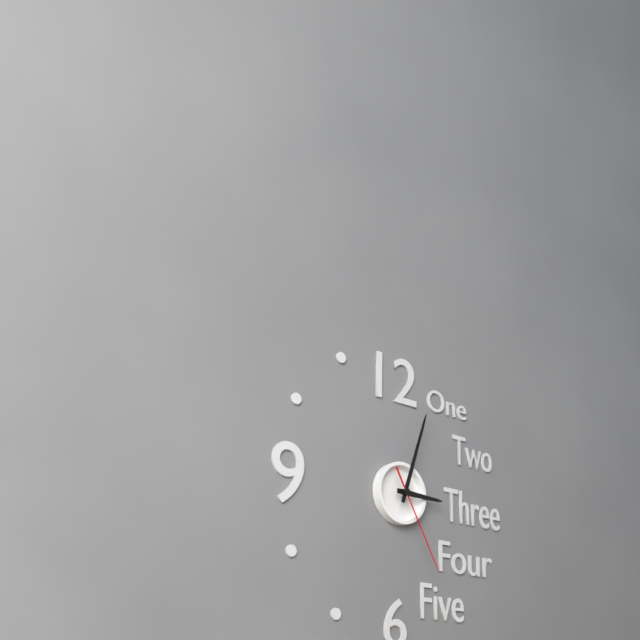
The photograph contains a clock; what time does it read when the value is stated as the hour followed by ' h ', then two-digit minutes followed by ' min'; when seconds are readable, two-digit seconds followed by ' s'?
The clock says 3 h 03 min 25 s
